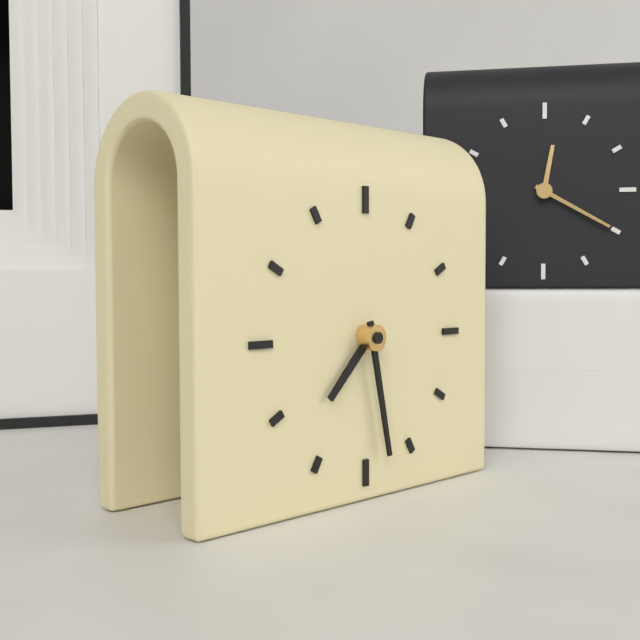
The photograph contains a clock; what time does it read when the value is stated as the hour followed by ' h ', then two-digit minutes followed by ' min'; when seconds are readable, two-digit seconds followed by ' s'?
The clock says 7 h 28 min
